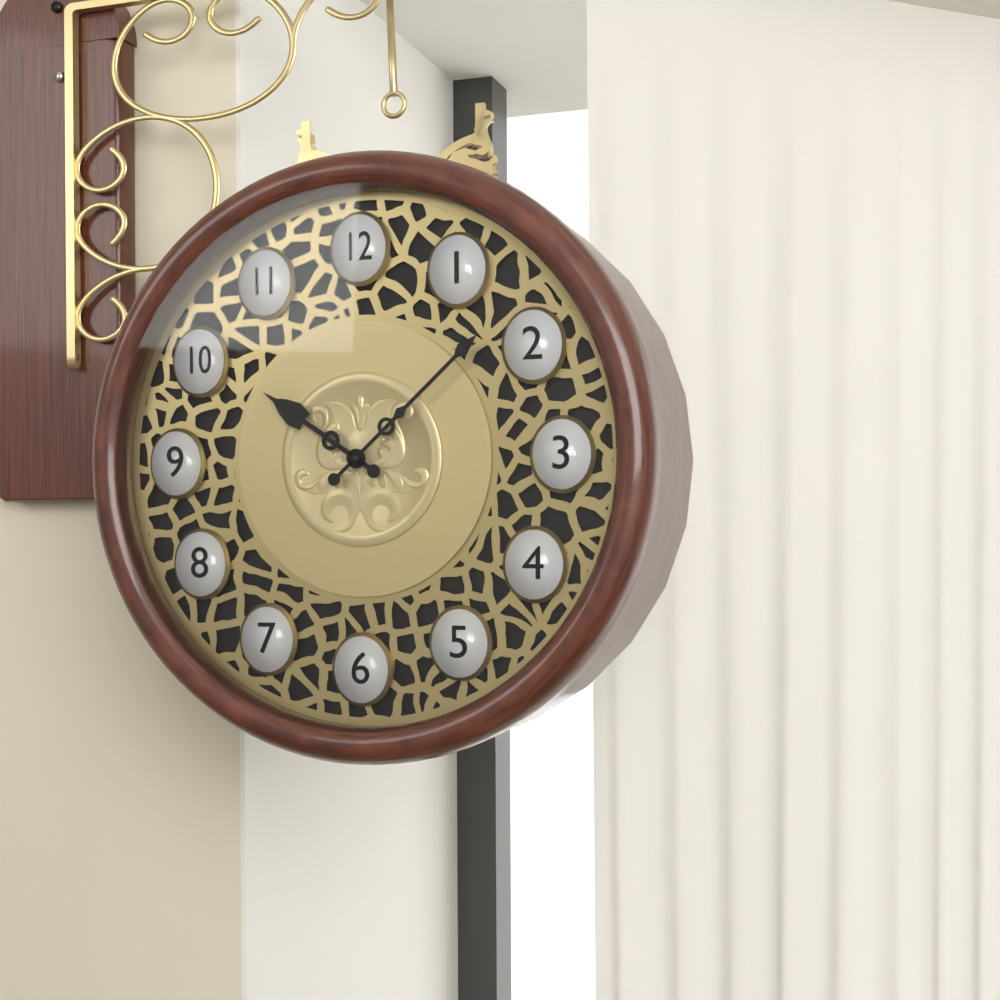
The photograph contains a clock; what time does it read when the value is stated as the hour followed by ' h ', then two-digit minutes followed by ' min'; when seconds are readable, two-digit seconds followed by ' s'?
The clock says 10 h 08 min
